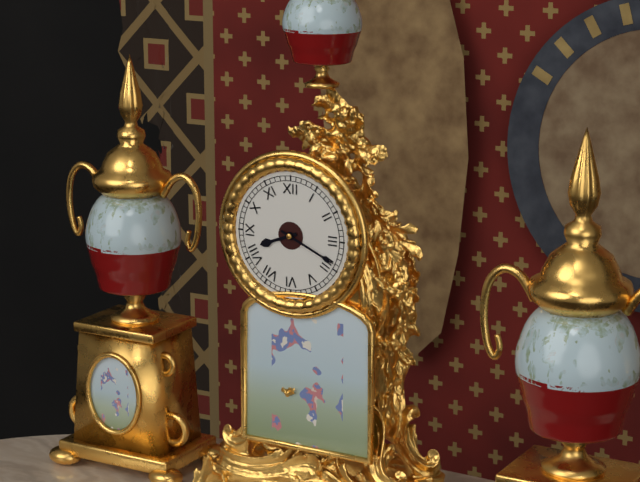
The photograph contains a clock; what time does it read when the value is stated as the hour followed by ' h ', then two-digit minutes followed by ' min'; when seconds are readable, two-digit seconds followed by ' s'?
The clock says 8 h 19 min
